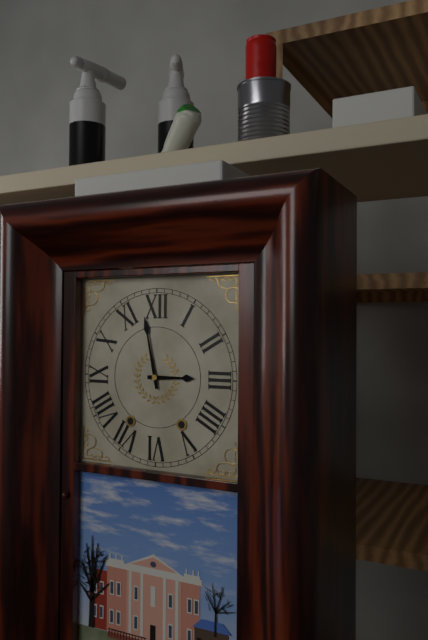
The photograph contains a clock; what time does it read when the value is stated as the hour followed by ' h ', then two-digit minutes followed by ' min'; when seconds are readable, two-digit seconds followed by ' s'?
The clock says 2 h 58 min
